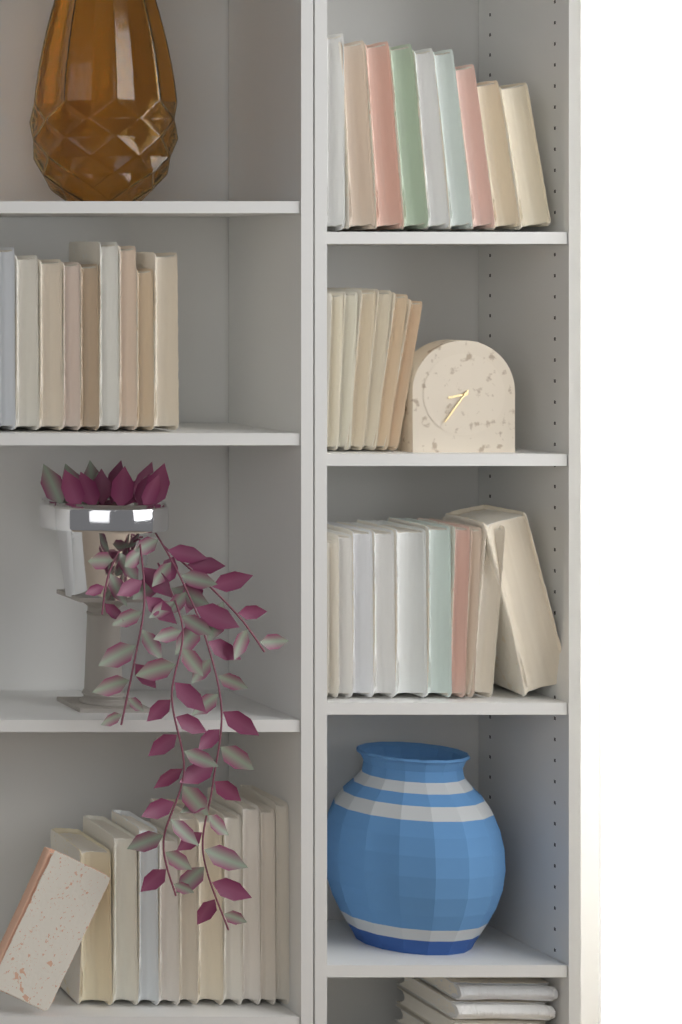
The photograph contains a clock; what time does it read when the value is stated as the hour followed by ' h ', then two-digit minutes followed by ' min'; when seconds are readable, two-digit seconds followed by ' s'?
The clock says 8 h 36 min
